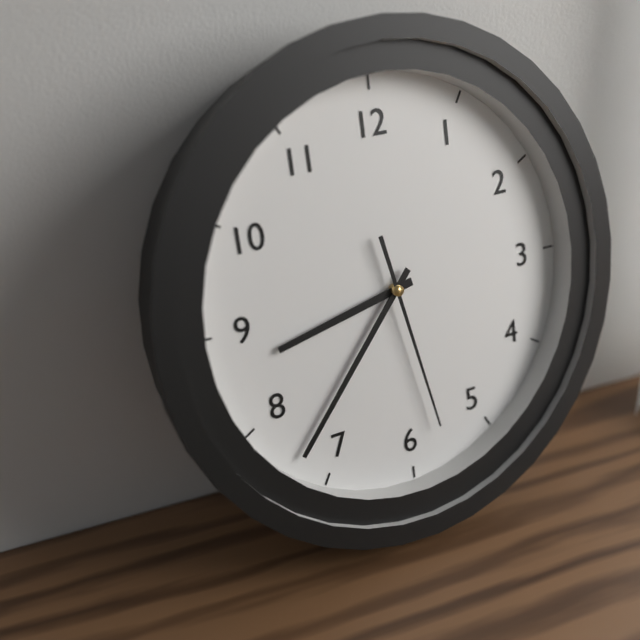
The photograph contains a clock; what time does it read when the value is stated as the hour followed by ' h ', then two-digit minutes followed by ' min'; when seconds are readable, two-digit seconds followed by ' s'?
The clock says 8 h 37 min 28 s
